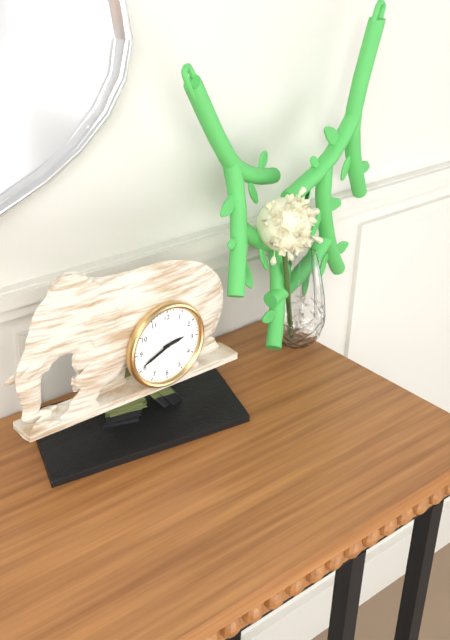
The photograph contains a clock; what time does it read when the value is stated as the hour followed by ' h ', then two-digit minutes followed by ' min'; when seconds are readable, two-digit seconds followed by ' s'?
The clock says 2 h 41 min
